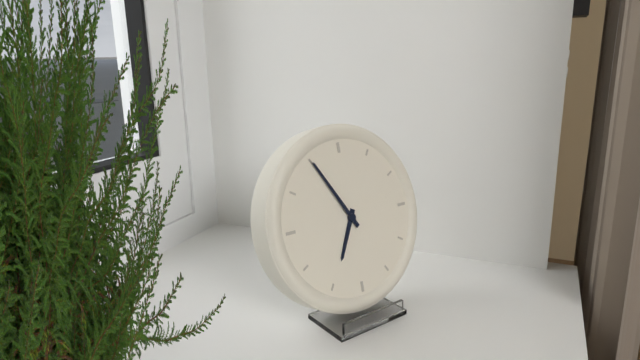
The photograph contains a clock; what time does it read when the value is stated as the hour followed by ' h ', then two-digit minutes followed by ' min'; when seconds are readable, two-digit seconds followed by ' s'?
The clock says 6 h 55 min
